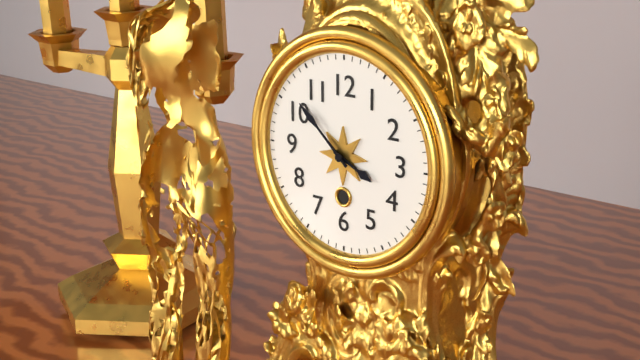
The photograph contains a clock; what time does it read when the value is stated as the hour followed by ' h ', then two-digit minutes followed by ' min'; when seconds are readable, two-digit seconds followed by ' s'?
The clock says 3 h 52 min
